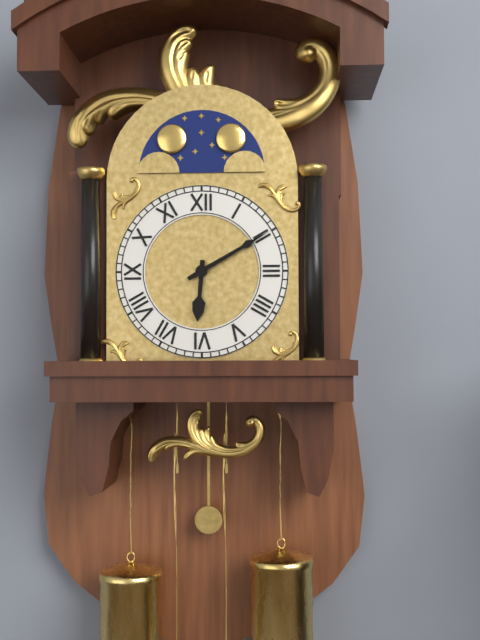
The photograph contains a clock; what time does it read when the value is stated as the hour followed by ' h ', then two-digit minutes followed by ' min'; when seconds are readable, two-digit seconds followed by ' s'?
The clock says 6 h 10 min
